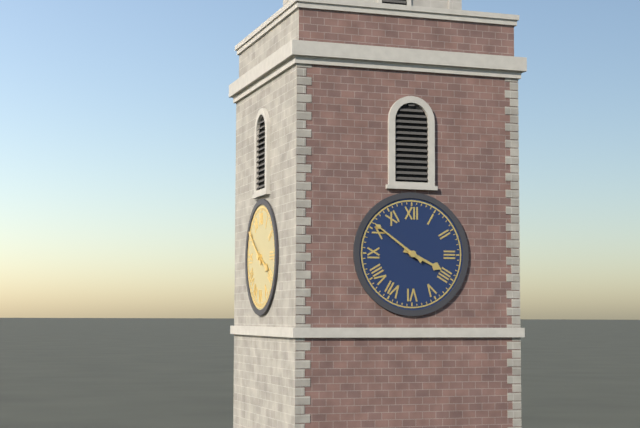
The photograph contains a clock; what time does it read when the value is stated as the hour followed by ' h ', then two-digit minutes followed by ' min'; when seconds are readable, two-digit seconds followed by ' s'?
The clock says 3 h 51 min
